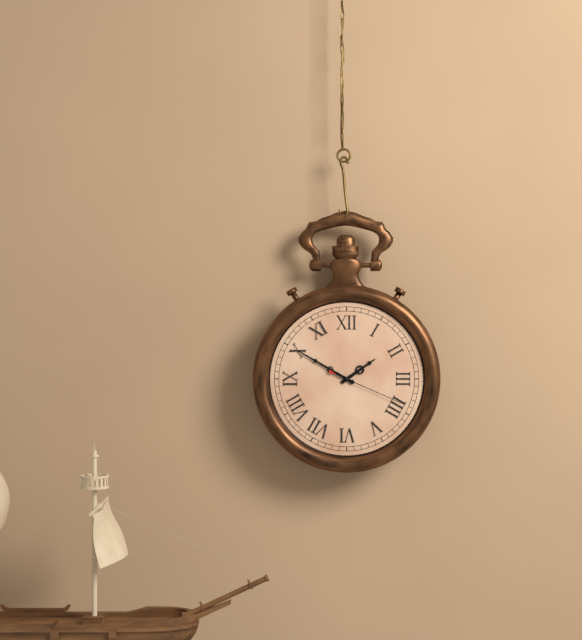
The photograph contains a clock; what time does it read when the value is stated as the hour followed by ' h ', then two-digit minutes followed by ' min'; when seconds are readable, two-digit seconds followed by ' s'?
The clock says 1 h 50 min 19 s
